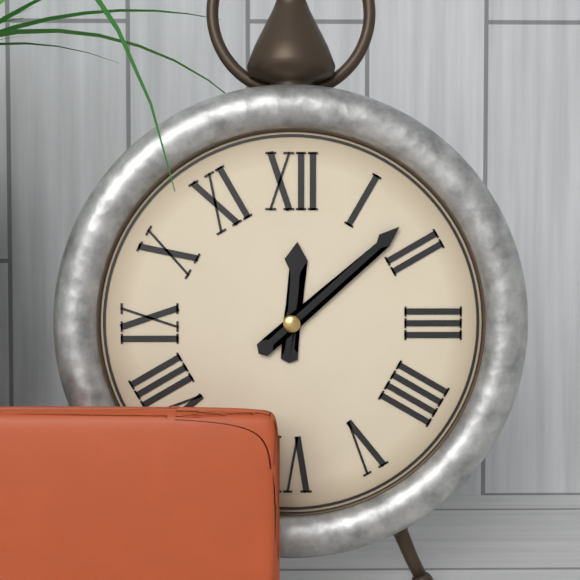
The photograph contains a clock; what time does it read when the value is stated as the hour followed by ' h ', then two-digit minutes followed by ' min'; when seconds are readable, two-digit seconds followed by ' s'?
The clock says 12 h 08 min
